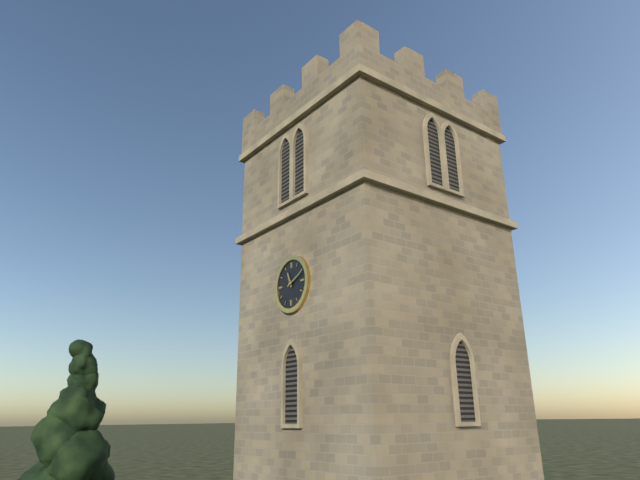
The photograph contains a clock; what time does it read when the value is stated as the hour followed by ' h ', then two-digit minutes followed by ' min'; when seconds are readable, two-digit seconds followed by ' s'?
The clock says 11 h 11 min
